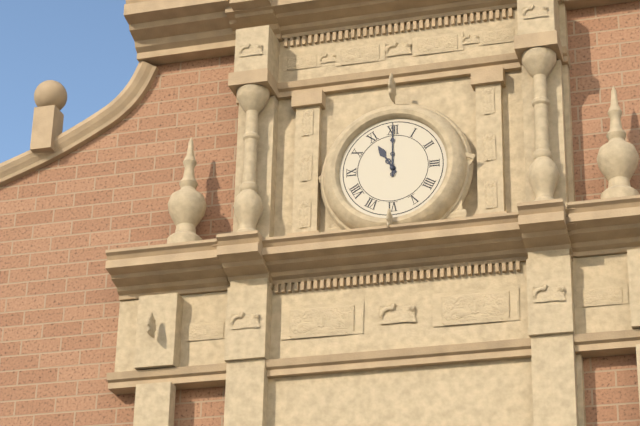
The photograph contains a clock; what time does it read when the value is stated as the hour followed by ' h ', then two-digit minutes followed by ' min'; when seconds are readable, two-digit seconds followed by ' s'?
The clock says 11 h 00 min
